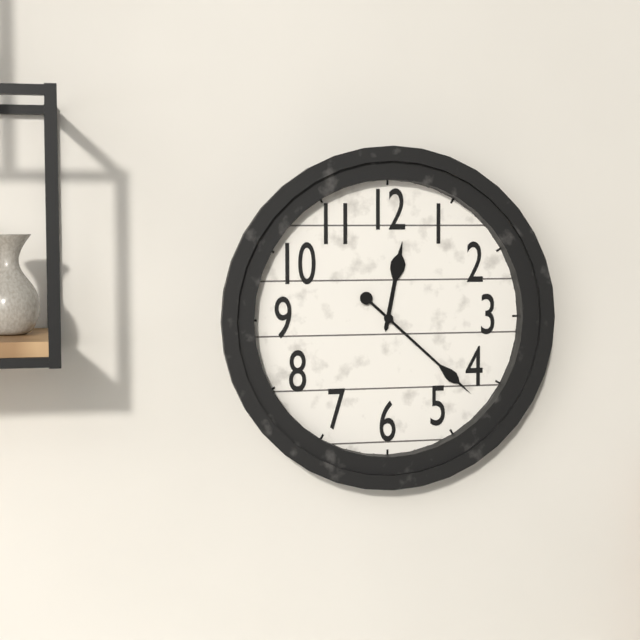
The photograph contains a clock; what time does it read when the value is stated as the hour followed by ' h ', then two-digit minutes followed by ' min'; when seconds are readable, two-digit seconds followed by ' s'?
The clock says 12 h 22 min
